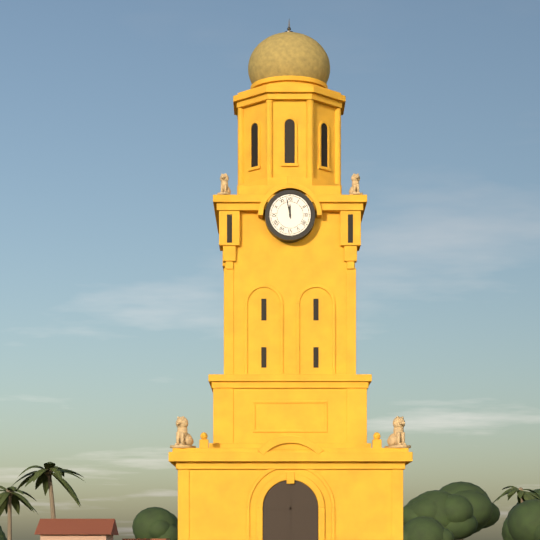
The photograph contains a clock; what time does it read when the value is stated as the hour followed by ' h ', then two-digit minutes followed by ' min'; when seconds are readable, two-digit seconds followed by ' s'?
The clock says 11 h 58 min
